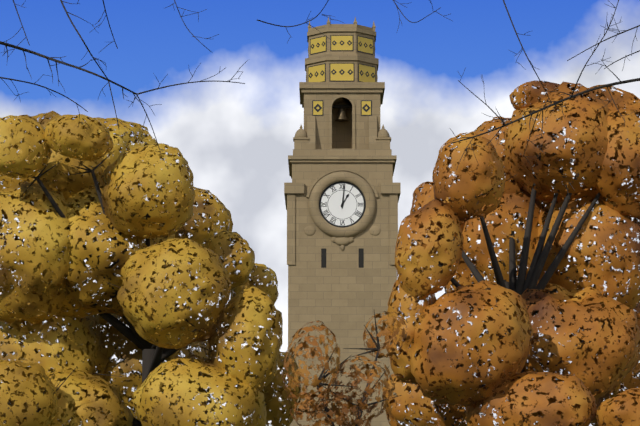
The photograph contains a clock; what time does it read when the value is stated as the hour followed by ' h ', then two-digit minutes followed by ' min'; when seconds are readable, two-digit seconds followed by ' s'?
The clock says 1 h 01 min
